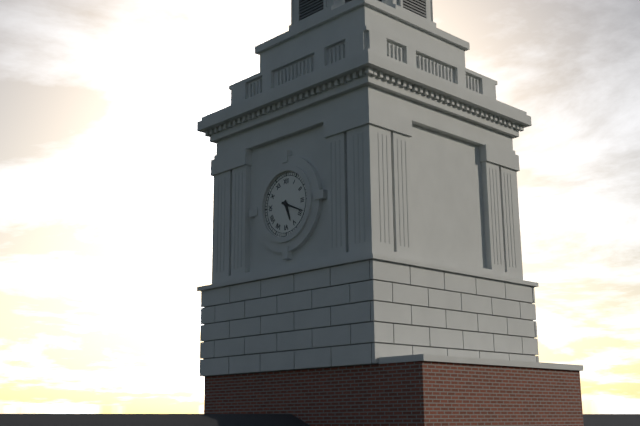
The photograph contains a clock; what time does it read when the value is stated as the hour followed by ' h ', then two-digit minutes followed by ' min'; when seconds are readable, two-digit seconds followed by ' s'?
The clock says 5 h 19 min
